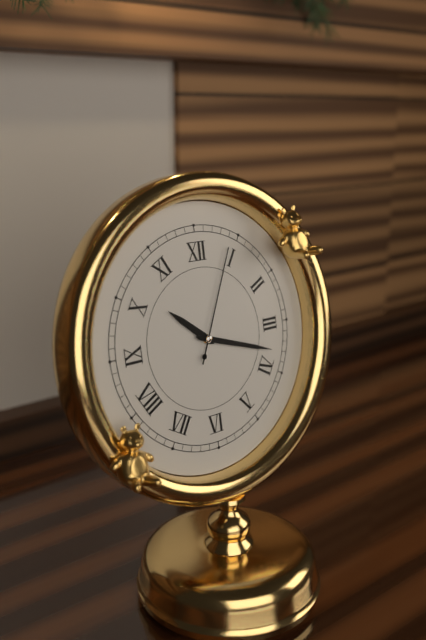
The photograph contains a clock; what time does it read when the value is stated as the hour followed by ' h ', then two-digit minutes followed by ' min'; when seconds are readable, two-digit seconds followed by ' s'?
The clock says 10 h 18 min 04 s
